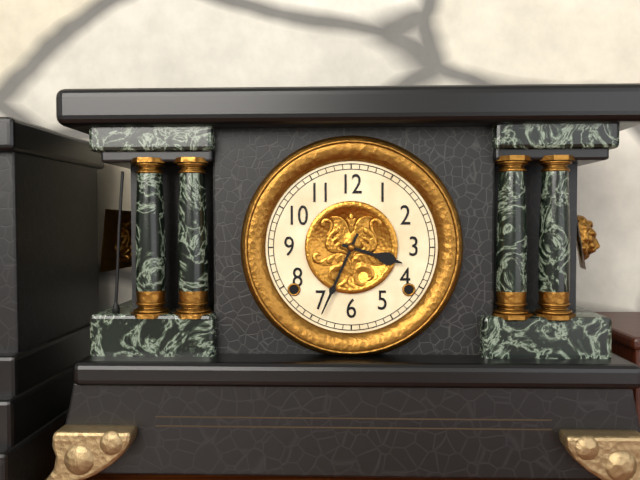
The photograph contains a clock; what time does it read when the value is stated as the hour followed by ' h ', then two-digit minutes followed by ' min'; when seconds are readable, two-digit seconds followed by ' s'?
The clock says 3 h 34 min
